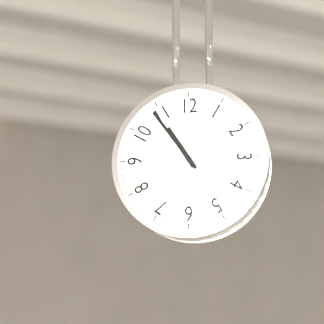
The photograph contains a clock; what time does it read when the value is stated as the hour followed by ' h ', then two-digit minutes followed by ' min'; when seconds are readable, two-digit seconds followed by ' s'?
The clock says 10 h 54 min
